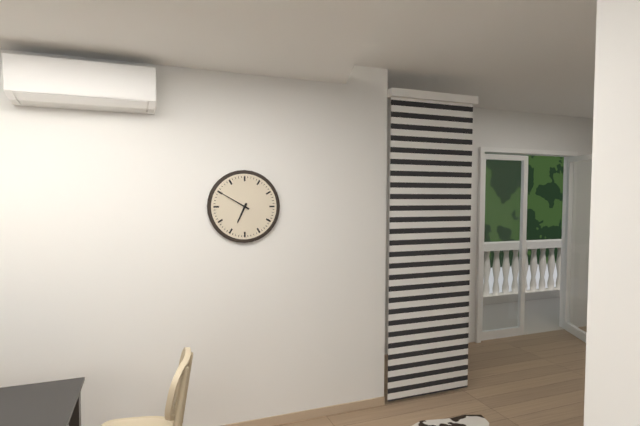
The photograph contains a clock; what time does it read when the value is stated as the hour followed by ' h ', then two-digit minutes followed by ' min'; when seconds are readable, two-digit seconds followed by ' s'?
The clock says 6 h 50 min
